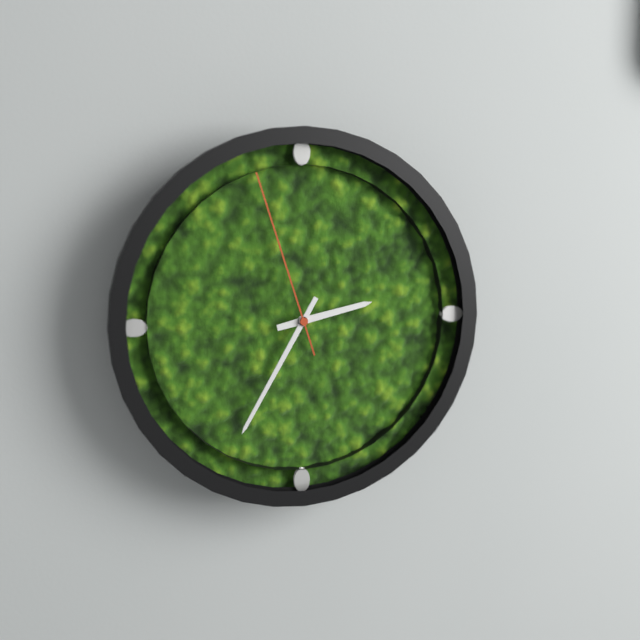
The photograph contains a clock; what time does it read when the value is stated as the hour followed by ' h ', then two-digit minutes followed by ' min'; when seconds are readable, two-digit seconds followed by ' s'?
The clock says 2 h 35 min 57 s
